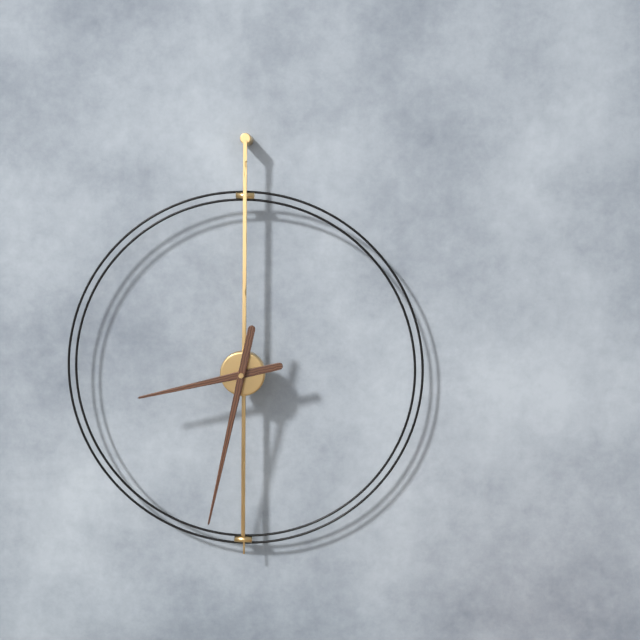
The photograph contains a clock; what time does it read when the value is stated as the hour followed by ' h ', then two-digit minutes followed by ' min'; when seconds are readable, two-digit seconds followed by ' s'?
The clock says 8 h 32 min
